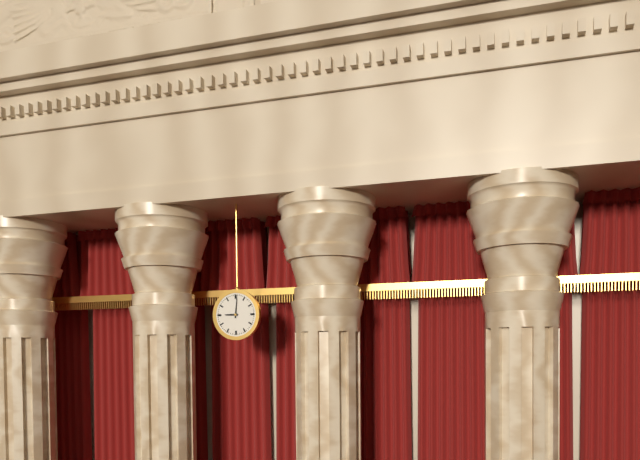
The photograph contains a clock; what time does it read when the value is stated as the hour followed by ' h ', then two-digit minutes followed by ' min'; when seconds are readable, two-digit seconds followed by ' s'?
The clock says 9 h 01 min
